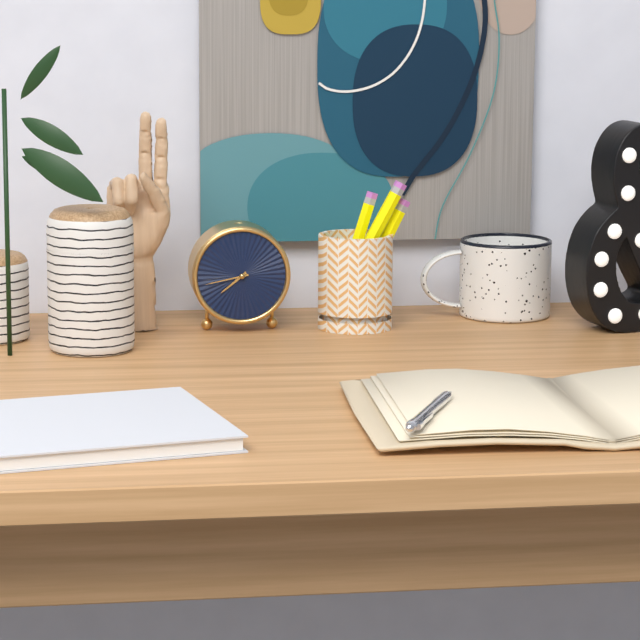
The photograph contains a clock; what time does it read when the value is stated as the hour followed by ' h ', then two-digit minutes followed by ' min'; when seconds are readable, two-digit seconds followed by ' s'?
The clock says 7 h 43 min
